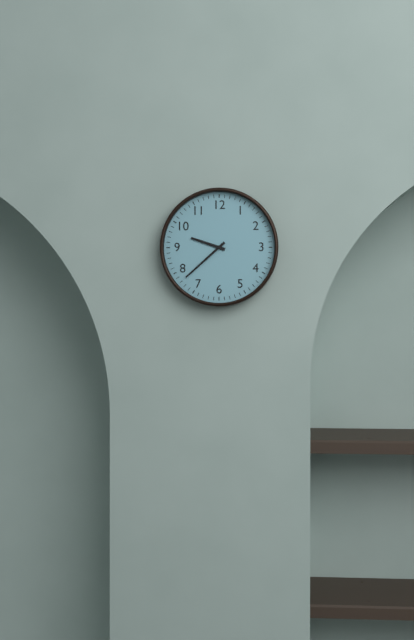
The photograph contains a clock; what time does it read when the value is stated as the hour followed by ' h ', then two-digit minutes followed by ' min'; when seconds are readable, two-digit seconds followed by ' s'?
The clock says 9 h 38 min
